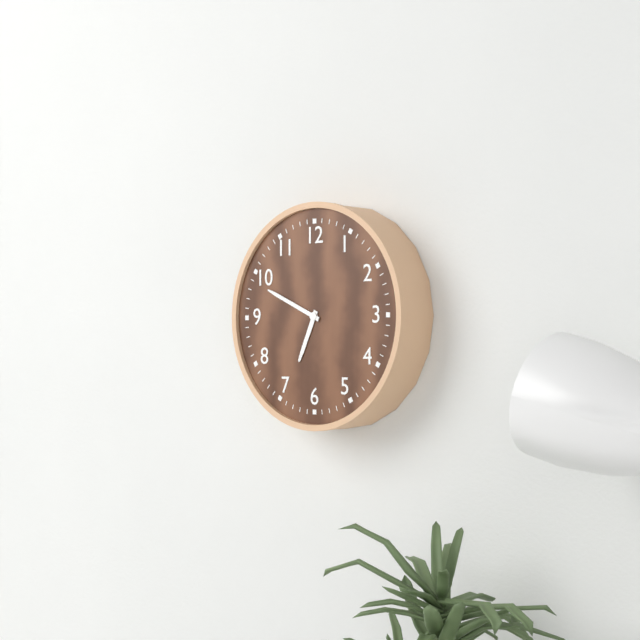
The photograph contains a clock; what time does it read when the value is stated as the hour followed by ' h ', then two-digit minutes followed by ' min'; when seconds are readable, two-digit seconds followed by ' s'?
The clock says 6 h 49 min
